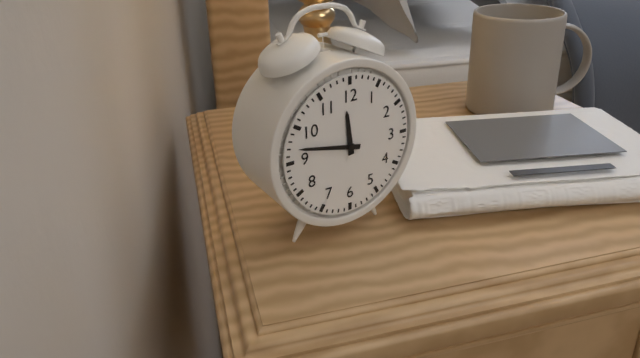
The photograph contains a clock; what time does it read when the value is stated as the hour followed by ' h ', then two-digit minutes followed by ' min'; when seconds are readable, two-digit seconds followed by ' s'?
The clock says 11 h 47 min
